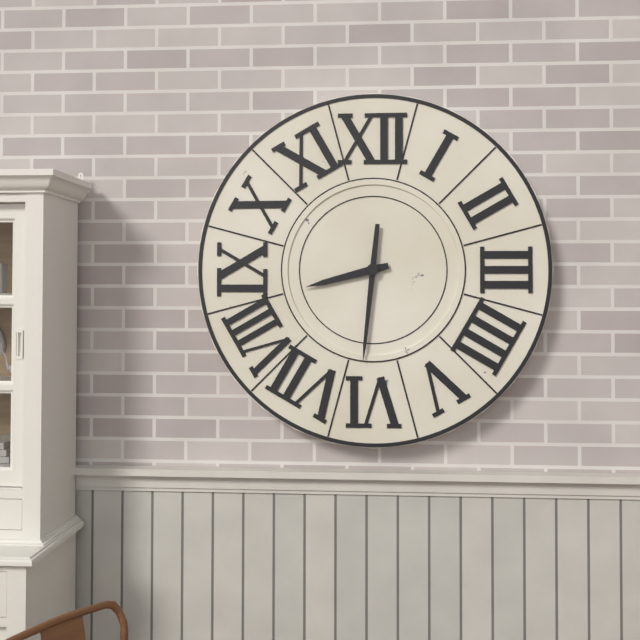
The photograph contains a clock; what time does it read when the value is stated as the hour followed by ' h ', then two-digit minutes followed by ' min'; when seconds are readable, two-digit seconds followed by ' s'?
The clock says 8 h 31 min
